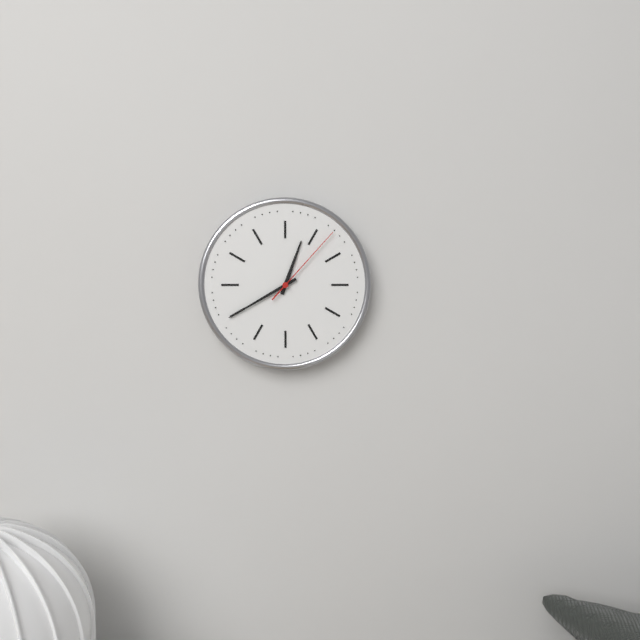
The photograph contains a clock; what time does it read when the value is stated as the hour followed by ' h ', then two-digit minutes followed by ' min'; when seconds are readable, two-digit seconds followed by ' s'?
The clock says 12 h 40 min 07 s
